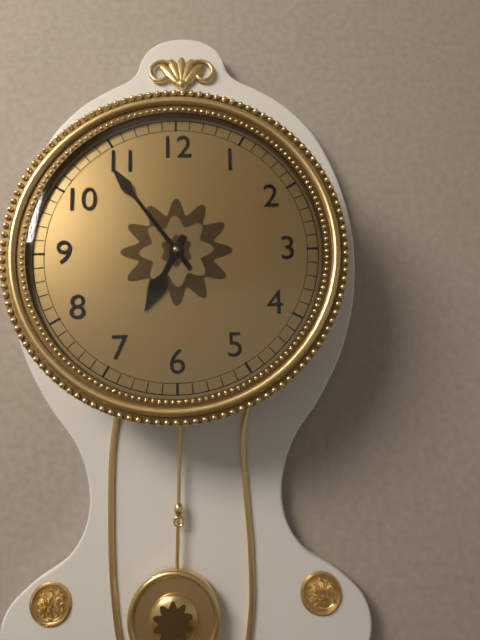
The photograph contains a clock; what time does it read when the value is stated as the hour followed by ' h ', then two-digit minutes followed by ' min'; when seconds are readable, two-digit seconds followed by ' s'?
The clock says 6 h 54 min
